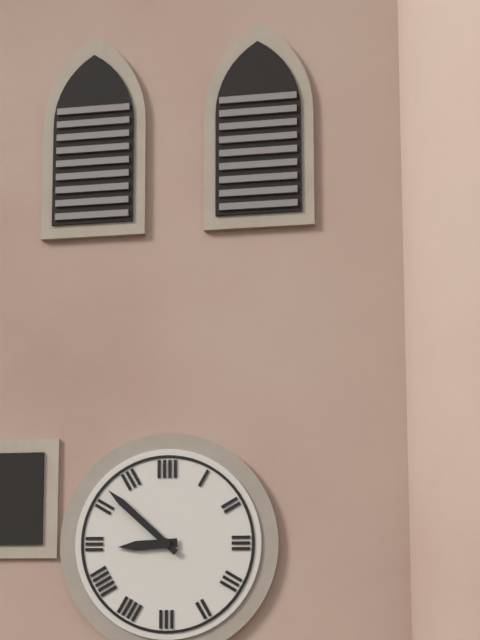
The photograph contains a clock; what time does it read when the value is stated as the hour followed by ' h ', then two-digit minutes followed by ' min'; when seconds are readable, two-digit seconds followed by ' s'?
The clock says 8 h 52 min
